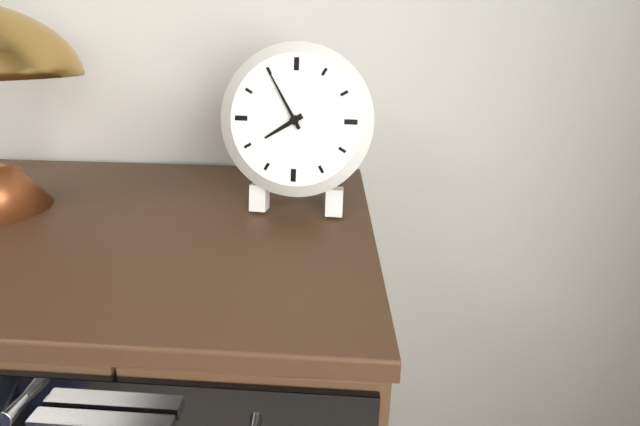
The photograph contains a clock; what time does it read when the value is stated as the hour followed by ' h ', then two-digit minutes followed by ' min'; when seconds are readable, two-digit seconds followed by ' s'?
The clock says 7 h 55 min
